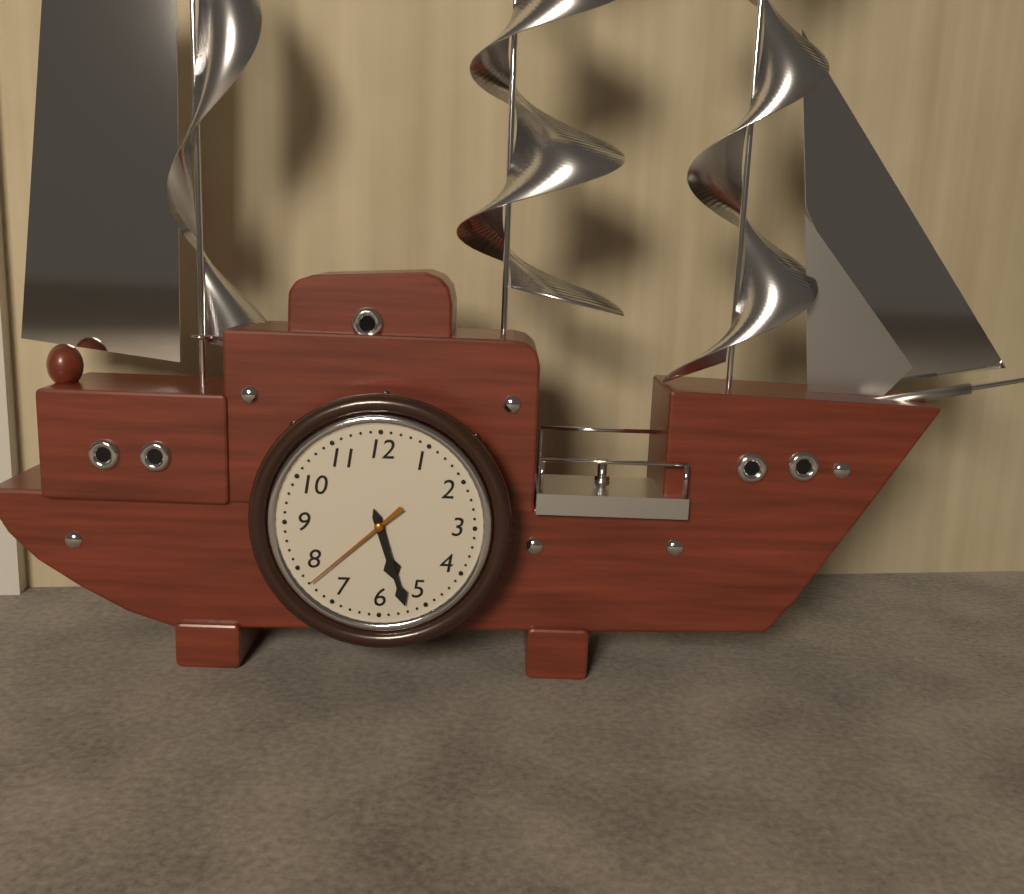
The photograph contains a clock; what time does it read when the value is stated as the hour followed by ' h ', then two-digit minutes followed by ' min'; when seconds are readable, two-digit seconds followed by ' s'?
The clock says 5 h 27 min 38 s
